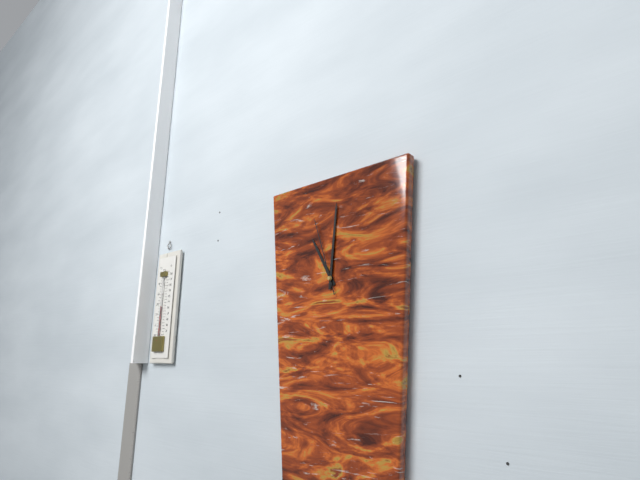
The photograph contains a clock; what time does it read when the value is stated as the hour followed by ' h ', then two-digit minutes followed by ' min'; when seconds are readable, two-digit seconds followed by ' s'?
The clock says 11 h 01 min 57 s
